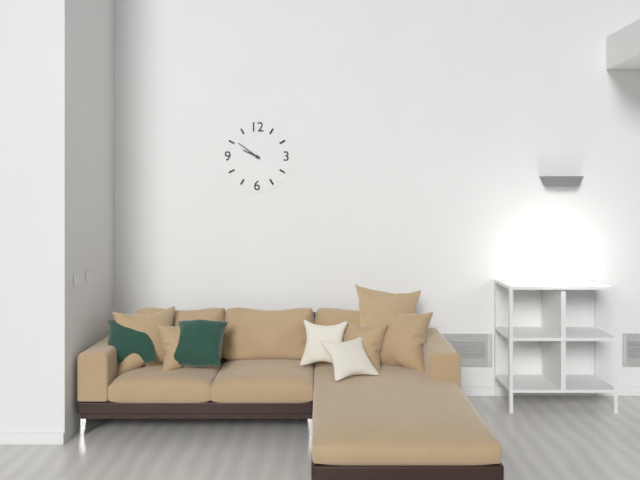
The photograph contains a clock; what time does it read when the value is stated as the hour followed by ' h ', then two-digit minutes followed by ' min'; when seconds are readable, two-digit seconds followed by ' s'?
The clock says 9 h 51 min
